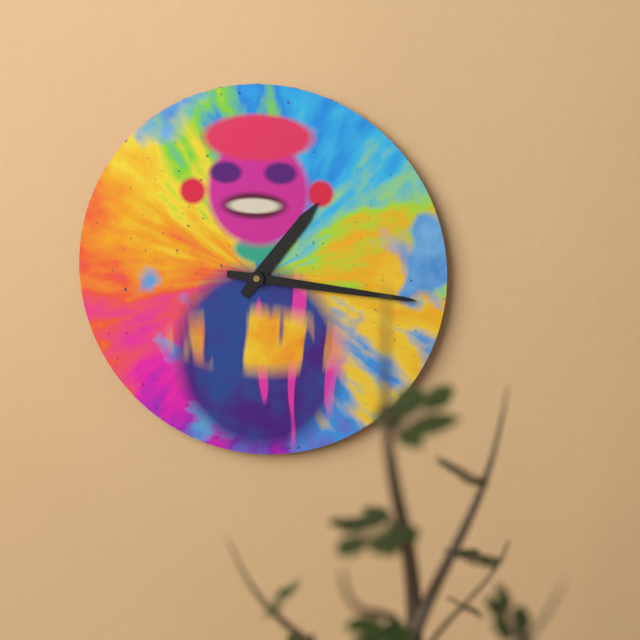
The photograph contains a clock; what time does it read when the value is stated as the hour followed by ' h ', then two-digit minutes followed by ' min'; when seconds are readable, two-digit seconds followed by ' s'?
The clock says 1 h 16 min
